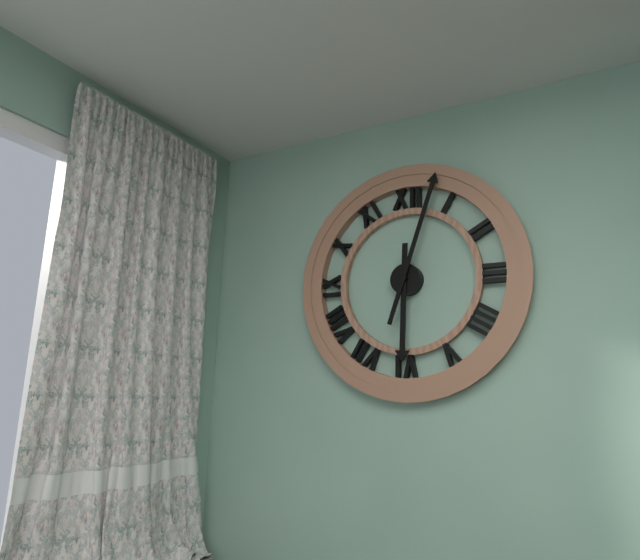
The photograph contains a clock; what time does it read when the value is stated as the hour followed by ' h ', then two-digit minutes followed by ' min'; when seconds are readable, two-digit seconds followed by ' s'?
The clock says 6 h 03 min
